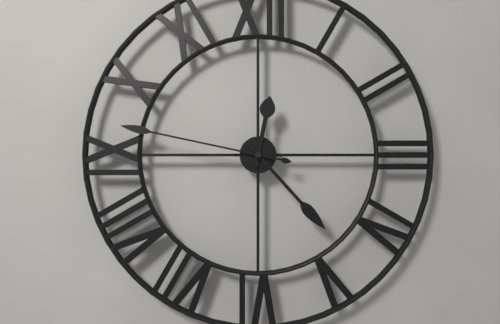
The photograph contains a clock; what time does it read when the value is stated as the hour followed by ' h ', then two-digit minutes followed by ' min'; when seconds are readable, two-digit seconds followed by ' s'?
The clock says 12 h 23 min 47 s
